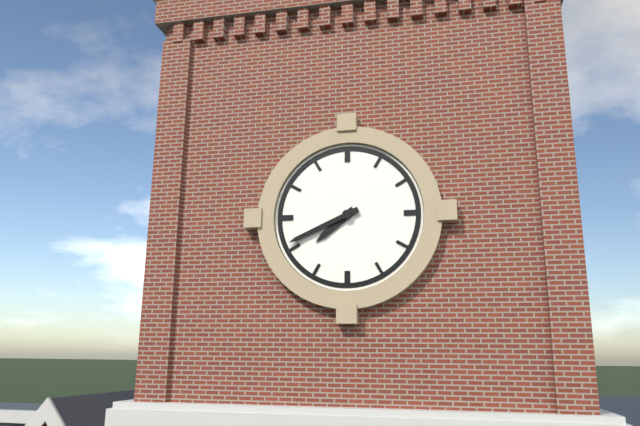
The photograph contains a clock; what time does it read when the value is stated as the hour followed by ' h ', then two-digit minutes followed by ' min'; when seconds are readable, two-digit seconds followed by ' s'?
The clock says 7 h 41 min
